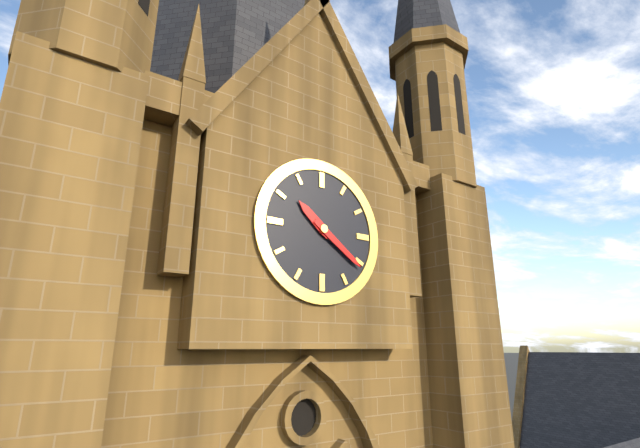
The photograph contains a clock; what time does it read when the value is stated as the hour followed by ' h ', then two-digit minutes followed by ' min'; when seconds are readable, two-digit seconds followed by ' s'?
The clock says 10 h 21 min
